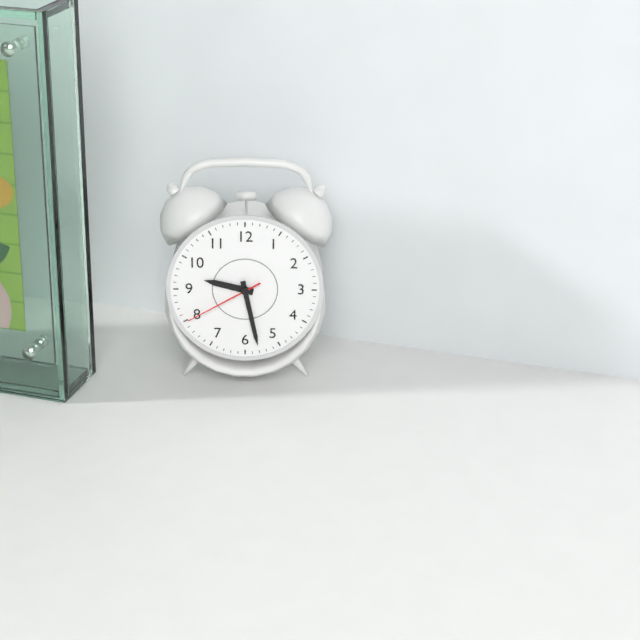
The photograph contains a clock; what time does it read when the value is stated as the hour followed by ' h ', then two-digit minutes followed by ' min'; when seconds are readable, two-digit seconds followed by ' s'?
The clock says 9 h 28 min 40 s
